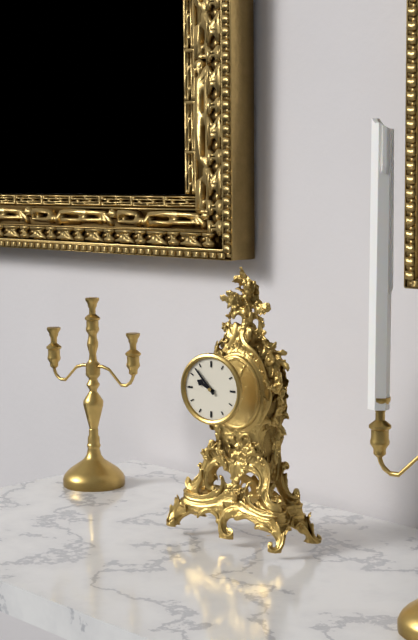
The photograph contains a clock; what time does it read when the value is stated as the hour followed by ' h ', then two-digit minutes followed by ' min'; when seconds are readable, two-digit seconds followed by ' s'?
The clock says 9 h 53 min
